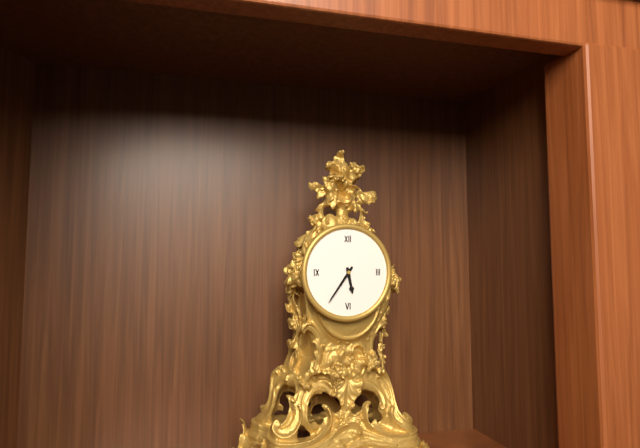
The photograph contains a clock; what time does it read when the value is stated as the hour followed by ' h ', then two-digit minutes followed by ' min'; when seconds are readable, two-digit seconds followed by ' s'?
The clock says 5 h 36 min
